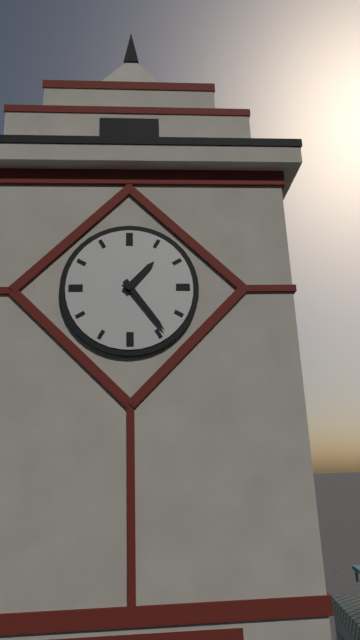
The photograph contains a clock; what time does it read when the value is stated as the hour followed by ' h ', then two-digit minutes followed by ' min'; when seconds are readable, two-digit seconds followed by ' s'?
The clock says 1 h 24 min
